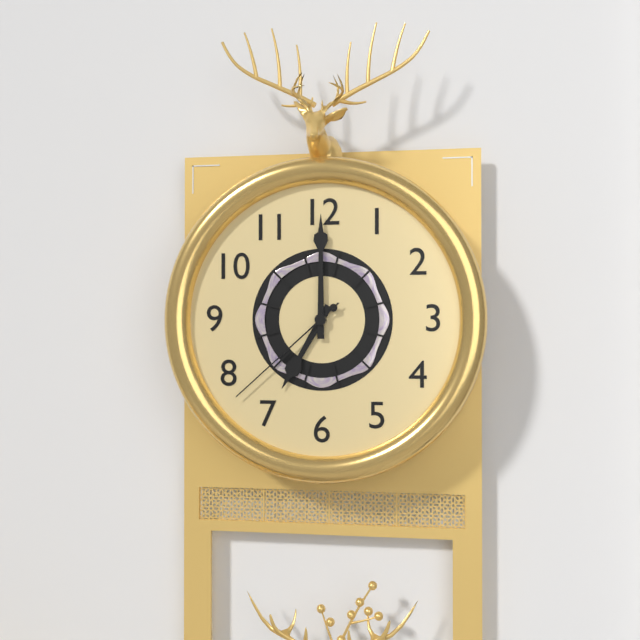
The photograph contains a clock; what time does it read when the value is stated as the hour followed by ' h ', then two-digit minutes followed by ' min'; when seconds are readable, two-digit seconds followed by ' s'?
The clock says 7 h 00 min 38 s
